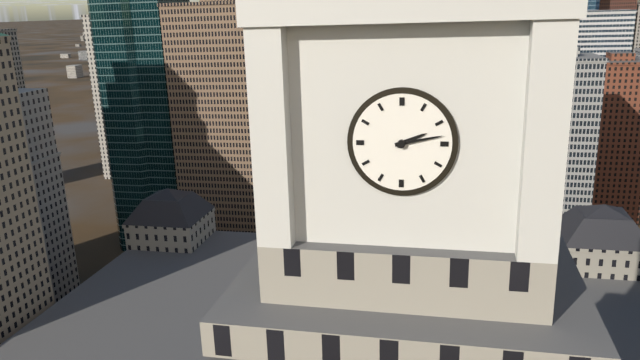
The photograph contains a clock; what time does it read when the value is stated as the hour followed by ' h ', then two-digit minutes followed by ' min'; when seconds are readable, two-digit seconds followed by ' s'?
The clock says 2 h 13 min
